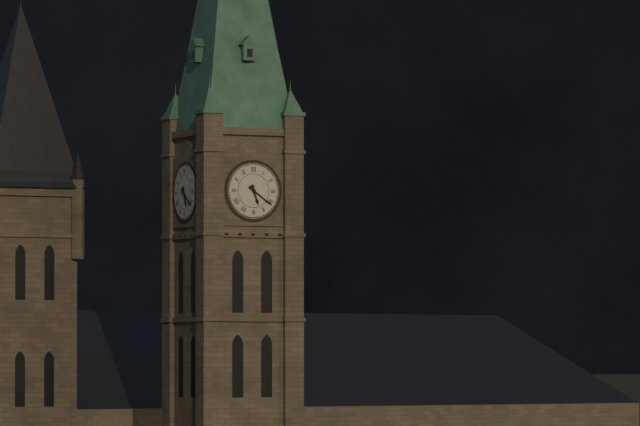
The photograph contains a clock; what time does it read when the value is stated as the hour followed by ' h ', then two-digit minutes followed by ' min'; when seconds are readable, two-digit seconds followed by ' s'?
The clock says 5 h 21 min
